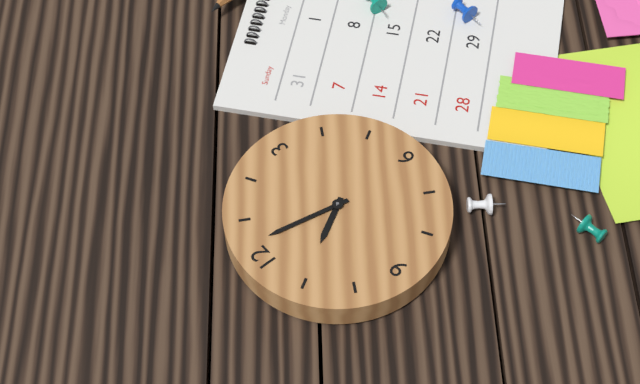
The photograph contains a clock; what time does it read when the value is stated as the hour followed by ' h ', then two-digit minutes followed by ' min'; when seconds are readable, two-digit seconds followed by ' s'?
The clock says 11 h 02 min
